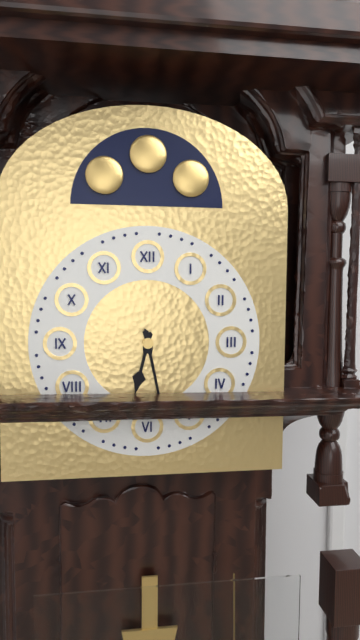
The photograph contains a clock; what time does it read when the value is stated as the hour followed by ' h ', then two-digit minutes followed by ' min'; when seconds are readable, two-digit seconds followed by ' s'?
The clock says 6 h 28 min
